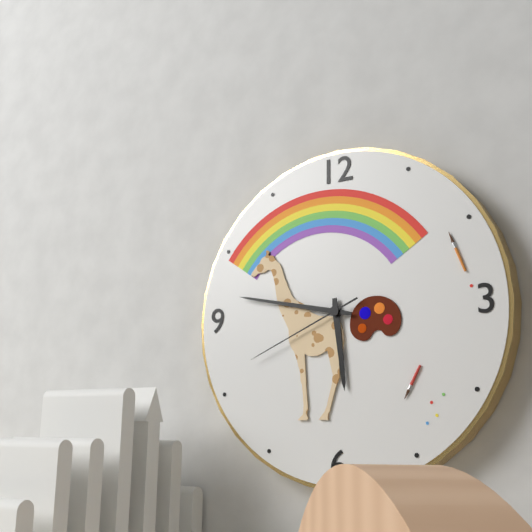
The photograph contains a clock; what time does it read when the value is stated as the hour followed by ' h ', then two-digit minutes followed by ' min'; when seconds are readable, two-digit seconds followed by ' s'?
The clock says 5 h 47 min 41 s
